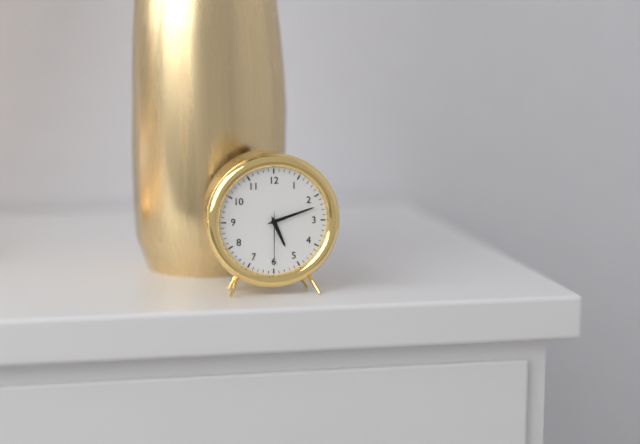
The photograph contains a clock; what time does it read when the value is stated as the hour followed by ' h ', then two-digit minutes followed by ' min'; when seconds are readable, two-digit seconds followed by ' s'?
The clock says 5 h 12 min 30 s
